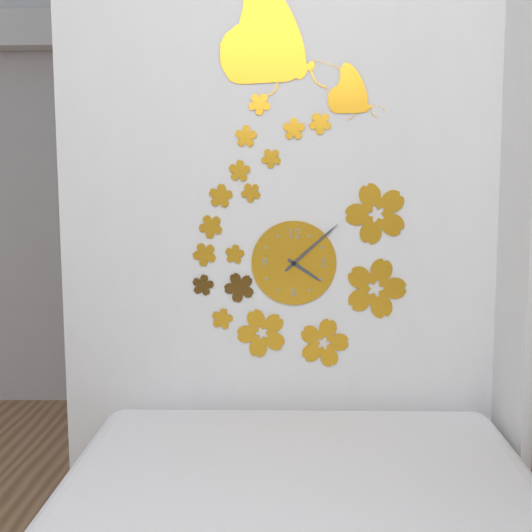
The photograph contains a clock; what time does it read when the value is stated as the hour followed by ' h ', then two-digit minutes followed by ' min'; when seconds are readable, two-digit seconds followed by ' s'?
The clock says 4 h 08 min
